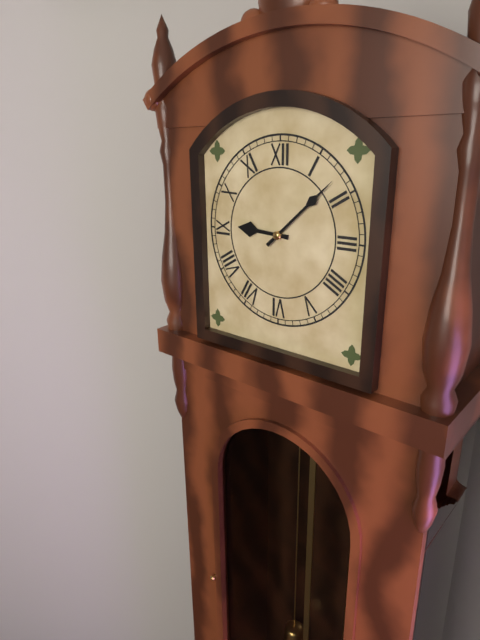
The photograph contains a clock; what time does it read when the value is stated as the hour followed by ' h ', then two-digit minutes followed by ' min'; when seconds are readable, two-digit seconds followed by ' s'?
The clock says 9 h 08 min
